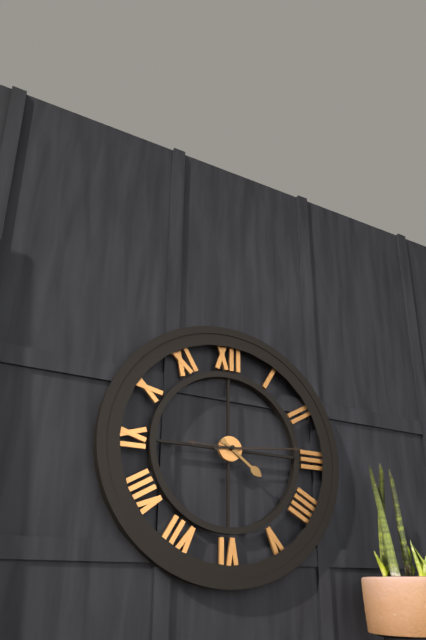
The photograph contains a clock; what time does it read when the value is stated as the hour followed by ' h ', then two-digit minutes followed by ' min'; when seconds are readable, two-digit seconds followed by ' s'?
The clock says 4 h 14 min 45 s
